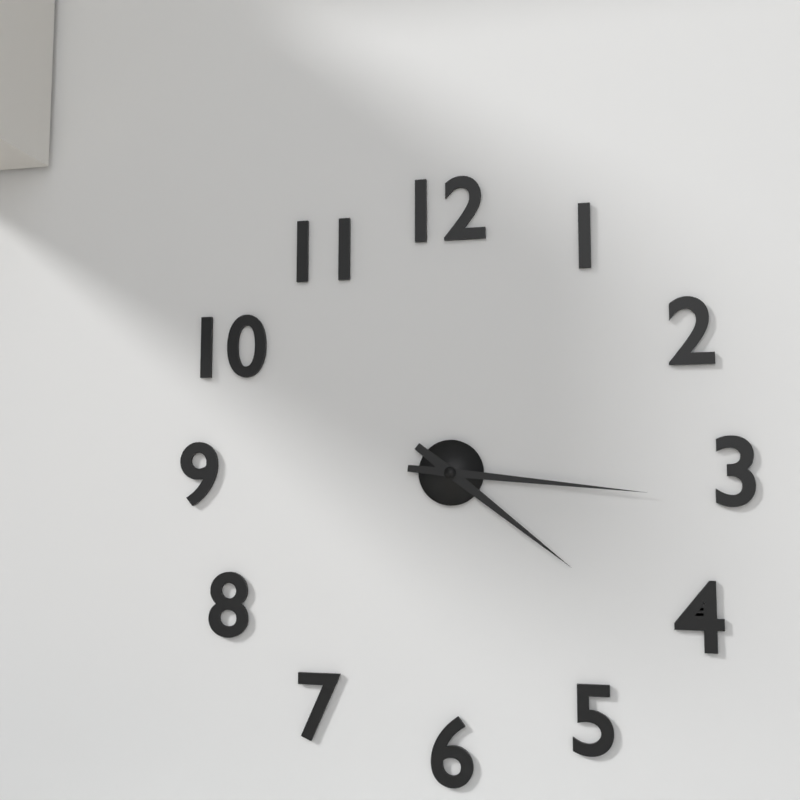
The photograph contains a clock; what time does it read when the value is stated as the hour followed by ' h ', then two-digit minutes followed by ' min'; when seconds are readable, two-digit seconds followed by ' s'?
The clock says 4 h 16 min
